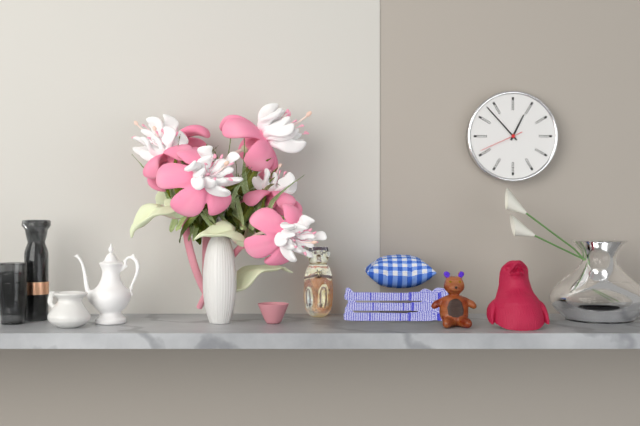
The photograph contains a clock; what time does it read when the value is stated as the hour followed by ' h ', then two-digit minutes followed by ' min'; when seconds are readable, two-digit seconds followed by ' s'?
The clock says 12 h 53 min
